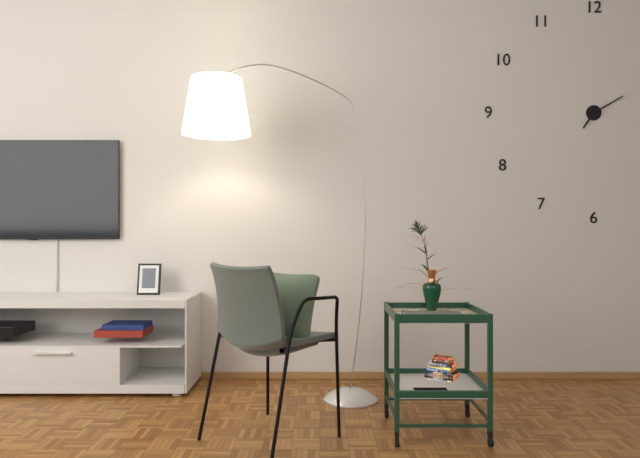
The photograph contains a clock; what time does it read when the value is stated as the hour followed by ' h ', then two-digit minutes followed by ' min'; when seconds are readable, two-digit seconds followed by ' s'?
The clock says 7 h 10 min
